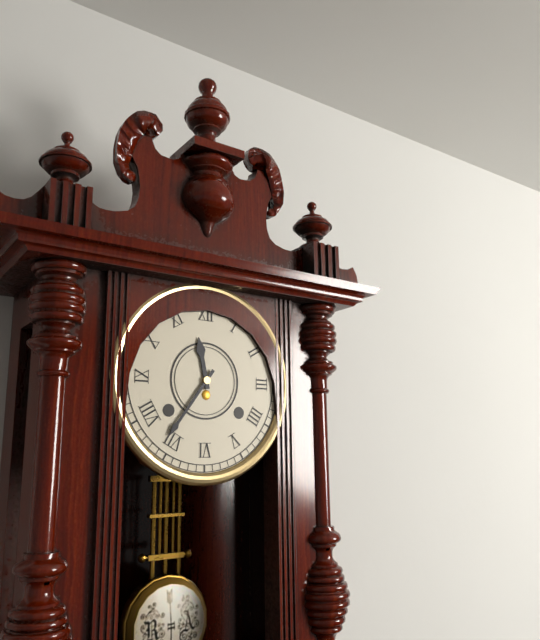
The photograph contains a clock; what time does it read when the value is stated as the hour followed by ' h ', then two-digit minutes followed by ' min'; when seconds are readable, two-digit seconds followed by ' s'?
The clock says 11 h 36 min
